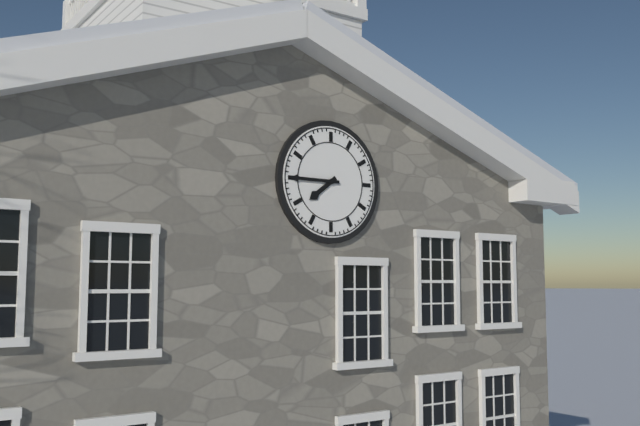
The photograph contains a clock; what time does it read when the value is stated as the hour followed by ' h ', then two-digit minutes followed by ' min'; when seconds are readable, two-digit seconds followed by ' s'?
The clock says 7 h 45 min
